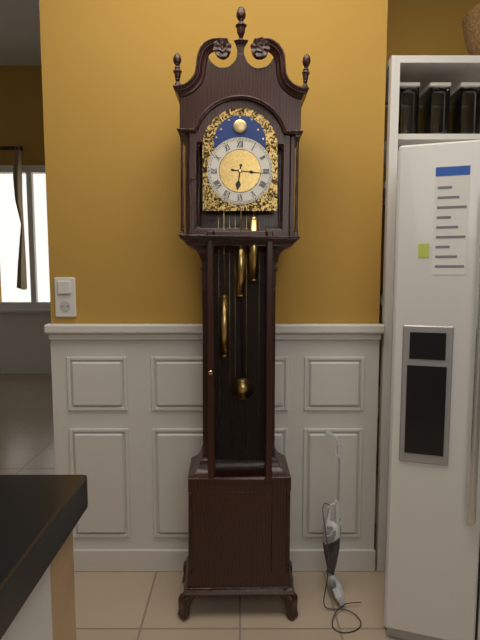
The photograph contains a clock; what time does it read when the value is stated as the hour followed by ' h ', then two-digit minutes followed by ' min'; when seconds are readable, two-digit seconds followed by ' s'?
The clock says 6 h 16 min
